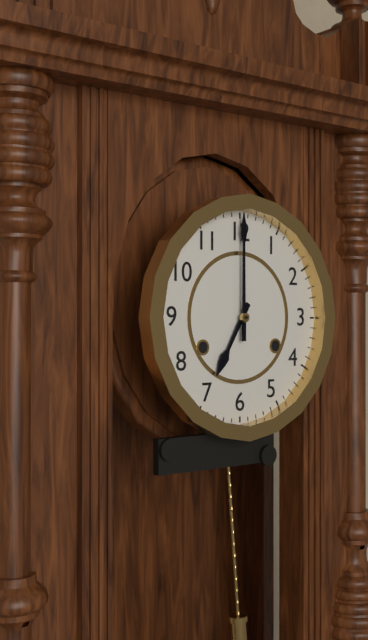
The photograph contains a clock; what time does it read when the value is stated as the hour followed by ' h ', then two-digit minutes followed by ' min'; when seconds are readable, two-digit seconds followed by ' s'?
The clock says 7 h 00 min
